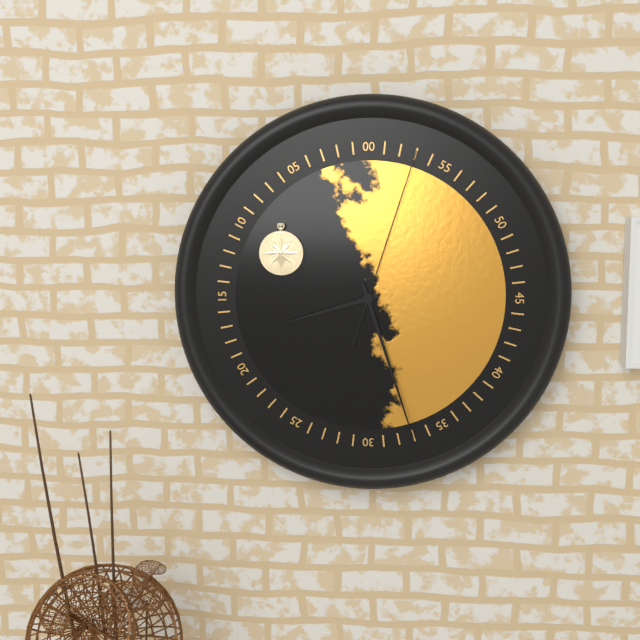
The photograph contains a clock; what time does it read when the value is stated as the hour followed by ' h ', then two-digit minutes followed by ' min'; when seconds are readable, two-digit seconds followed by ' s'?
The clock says 8 h 27 min 03 s
